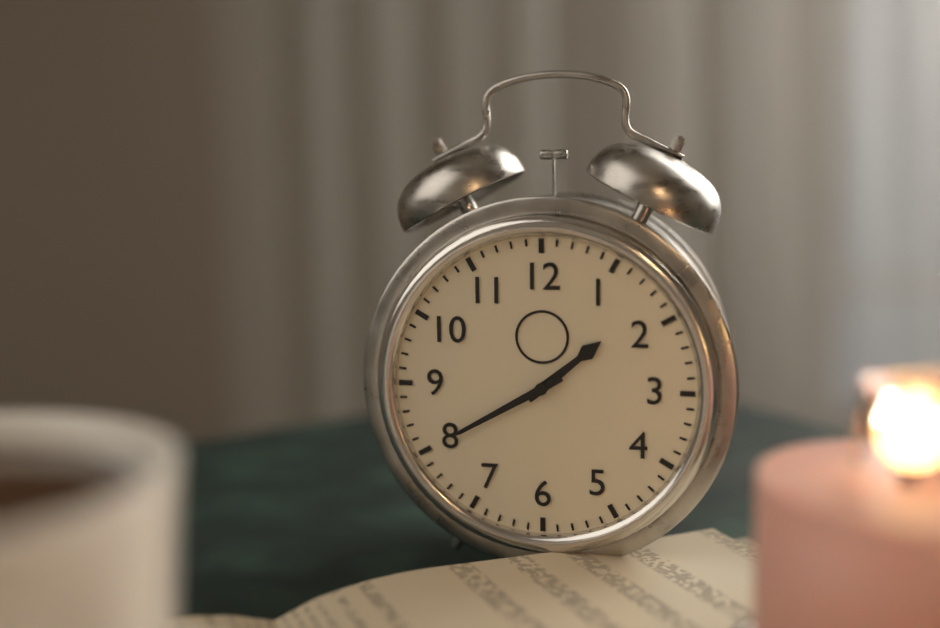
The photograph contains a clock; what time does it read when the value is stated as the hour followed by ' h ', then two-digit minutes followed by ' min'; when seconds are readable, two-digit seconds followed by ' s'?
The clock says 1 h 40 min
